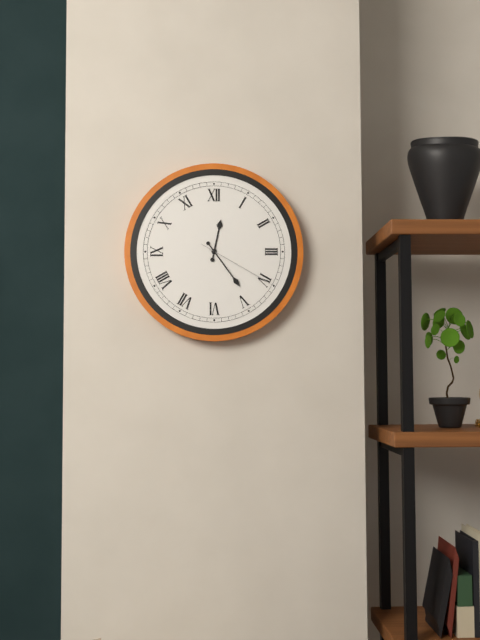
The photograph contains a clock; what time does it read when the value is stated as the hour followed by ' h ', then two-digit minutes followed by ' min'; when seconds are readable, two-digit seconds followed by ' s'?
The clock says 12 h 24 min 20 s
